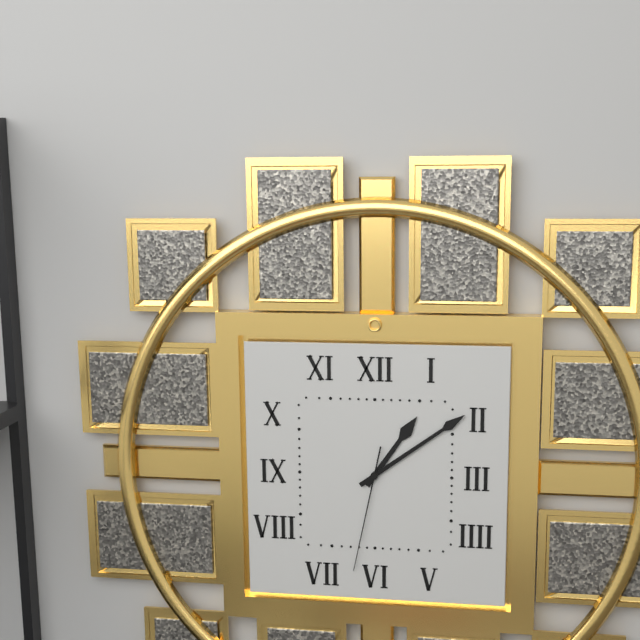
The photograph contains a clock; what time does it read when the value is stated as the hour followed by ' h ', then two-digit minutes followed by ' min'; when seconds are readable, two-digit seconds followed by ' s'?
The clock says 1 h 09 min 32 s
